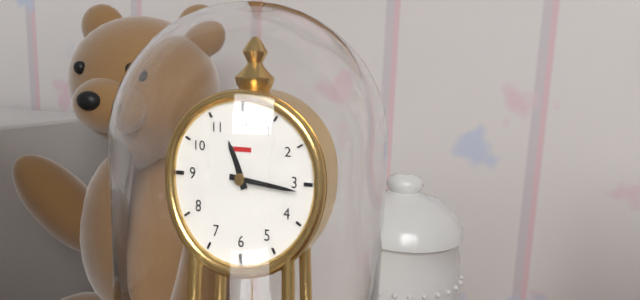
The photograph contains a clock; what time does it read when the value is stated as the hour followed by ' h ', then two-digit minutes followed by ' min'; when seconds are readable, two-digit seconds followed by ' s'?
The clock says 11 h 16 min
